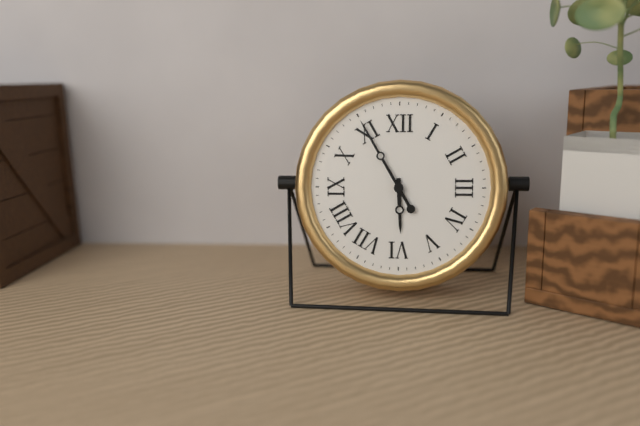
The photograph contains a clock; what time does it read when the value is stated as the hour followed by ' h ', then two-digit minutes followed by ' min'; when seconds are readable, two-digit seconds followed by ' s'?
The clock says 5 h 55 min
